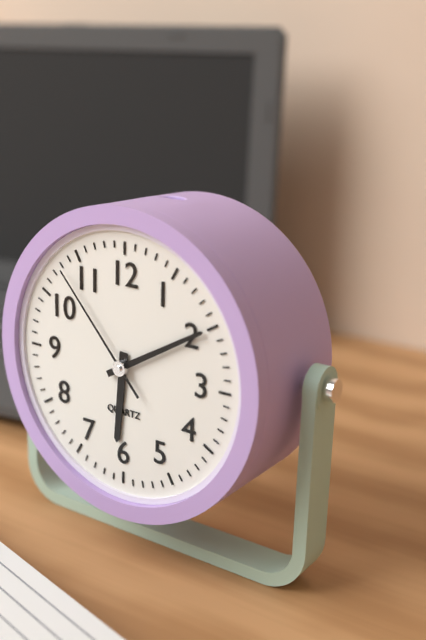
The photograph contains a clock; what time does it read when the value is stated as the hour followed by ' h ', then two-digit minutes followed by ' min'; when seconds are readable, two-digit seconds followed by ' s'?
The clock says 6 h 10 min 53 s
